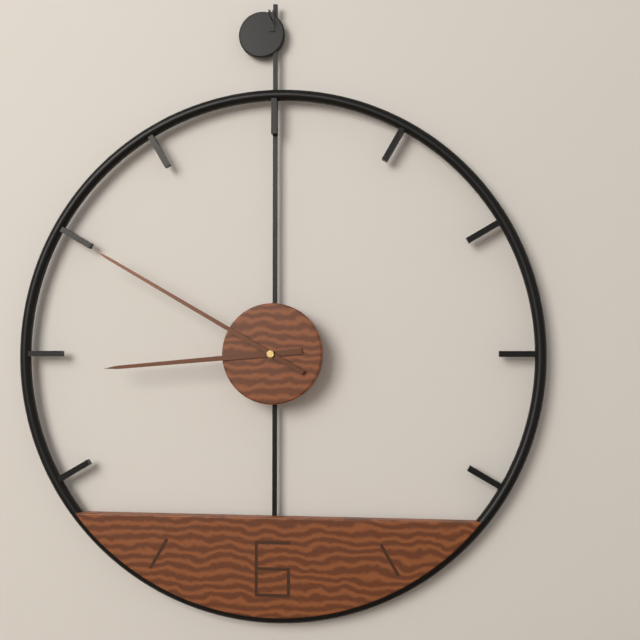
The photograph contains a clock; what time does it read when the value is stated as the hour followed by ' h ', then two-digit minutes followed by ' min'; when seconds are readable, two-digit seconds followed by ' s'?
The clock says 8 h 50 min
